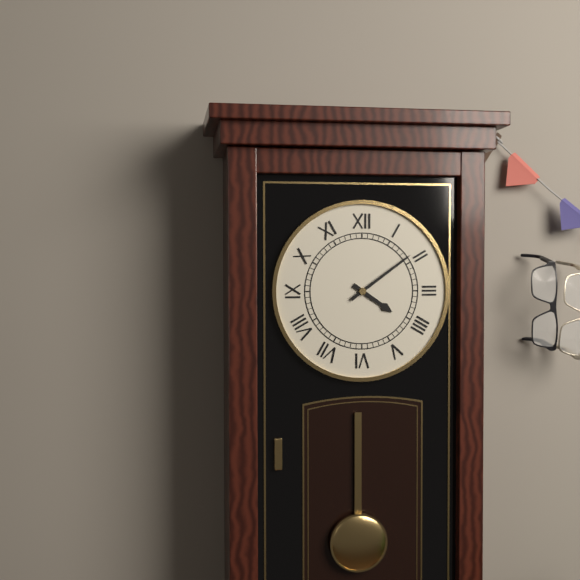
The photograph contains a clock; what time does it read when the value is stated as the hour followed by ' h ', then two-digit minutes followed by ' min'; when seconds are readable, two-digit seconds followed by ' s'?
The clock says 4 h 09 min
